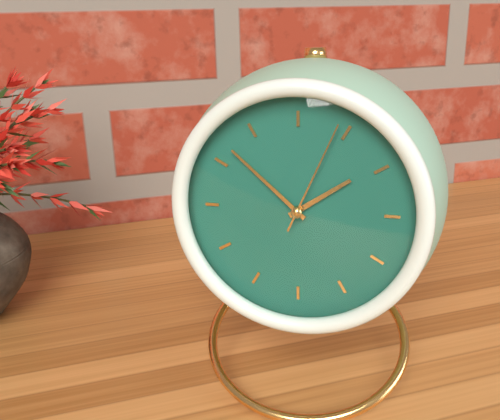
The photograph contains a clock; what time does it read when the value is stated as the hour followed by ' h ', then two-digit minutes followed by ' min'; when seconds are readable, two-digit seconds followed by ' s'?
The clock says 1 h 52 min 04 s
